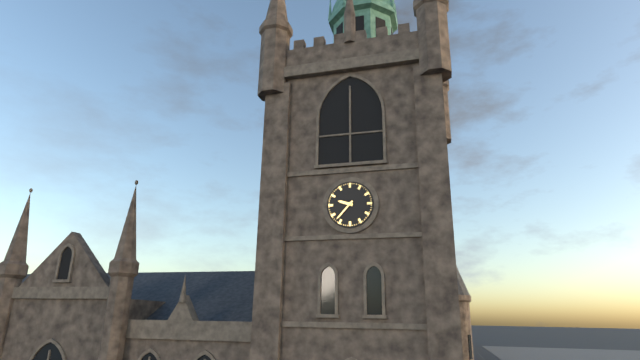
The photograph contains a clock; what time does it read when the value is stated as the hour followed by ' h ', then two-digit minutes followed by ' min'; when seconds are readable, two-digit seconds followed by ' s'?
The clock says 9 h 37 min
